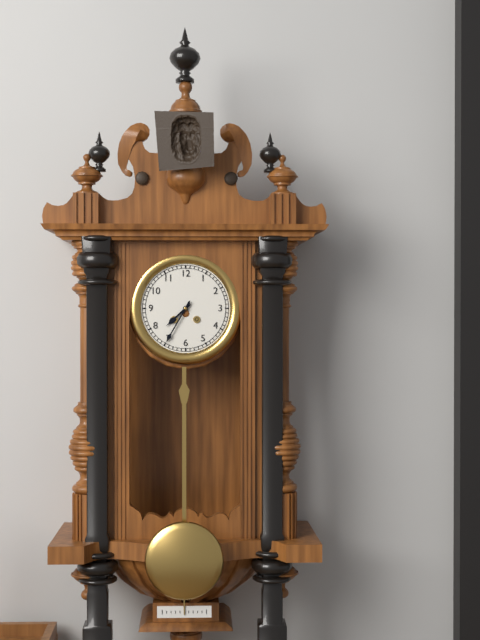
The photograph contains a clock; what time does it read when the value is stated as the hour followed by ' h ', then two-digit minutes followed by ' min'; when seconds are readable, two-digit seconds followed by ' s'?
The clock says 7 h 35 min
